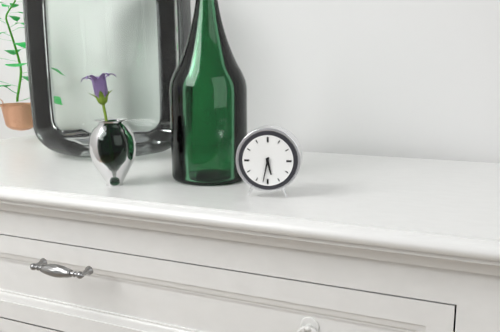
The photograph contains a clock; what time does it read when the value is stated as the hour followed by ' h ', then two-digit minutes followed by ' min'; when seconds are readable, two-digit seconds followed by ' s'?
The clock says 5 h 32 min
